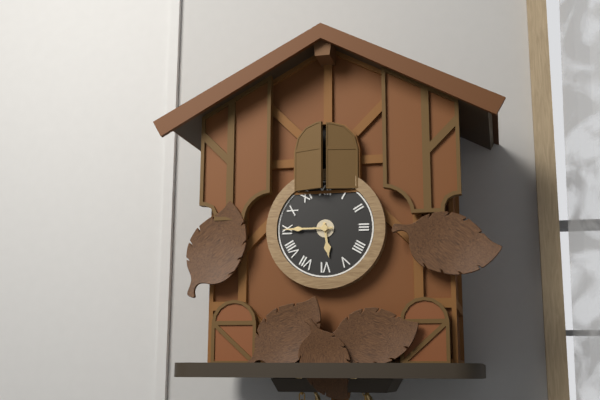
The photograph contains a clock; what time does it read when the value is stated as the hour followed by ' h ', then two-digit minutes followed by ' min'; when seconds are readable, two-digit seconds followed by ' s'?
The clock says 5 h 45 min
